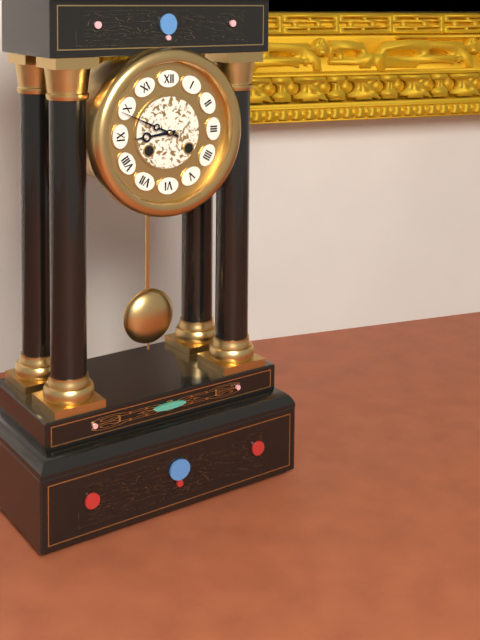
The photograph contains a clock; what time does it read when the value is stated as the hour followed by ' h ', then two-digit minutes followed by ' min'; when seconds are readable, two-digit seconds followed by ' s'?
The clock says 8 h 49 min
